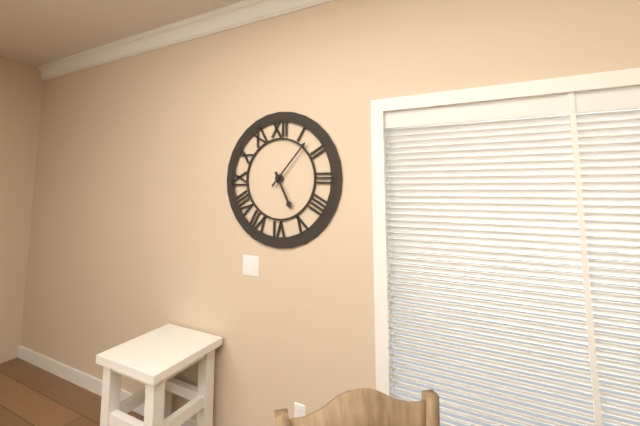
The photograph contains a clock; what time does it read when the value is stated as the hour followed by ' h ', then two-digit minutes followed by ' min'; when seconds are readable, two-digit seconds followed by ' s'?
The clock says 5 h 07 min
